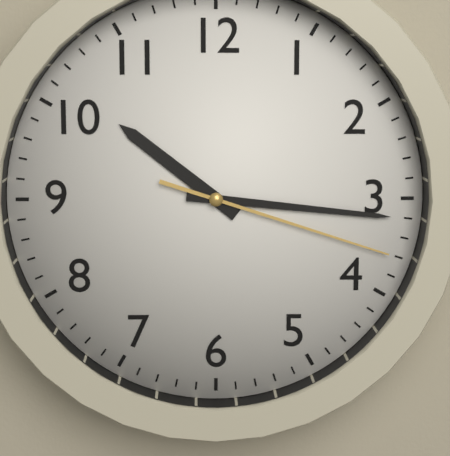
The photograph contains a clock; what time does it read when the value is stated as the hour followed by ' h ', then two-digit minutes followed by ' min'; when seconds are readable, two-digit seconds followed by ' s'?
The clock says 10 h 16 min 18 s
